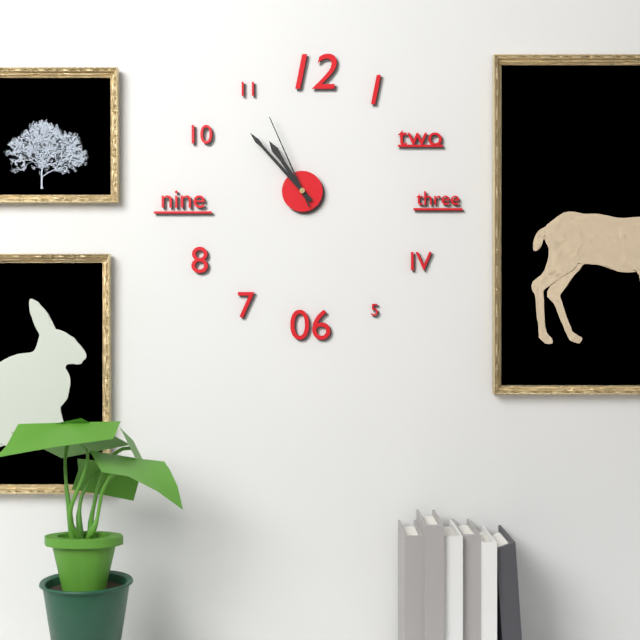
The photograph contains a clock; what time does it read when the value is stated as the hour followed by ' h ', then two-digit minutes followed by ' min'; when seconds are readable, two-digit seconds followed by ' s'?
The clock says 10 h 53 min 56 s
